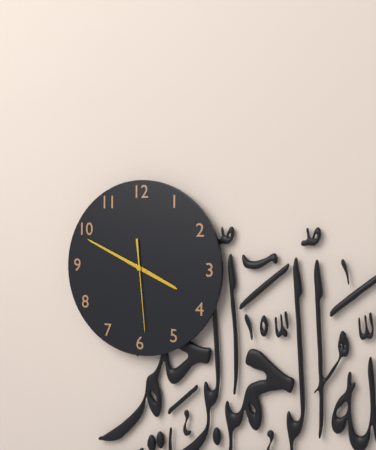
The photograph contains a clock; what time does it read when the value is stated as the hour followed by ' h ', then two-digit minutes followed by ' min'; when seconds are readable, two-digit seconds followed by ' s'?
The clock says 3 h 49 min 29 s
